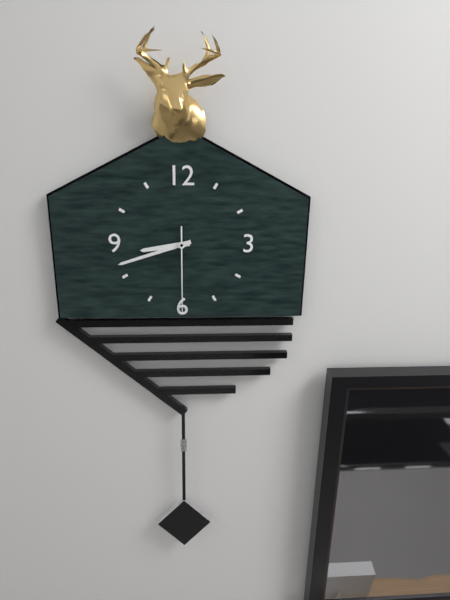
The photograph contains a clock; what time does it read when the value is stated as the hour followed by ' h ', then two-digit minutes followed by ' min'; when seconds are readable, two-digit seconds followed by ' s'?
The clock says 8 h 42 min 30 s
